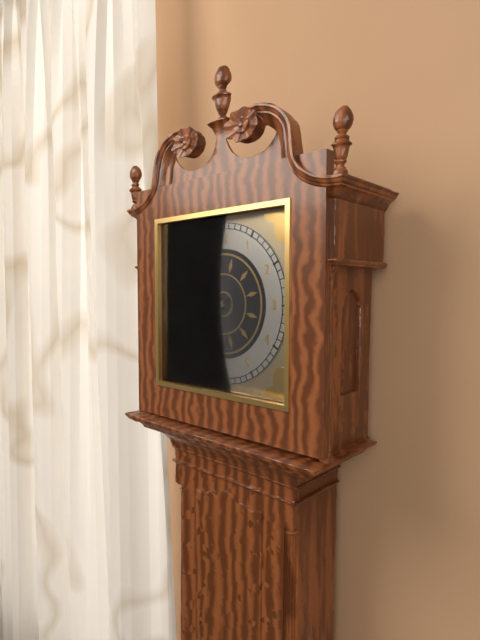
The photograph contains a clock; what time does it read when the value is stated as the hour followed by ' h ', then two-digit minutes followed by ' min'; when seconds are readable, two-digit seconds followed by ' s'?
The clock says 10 h 41 min
